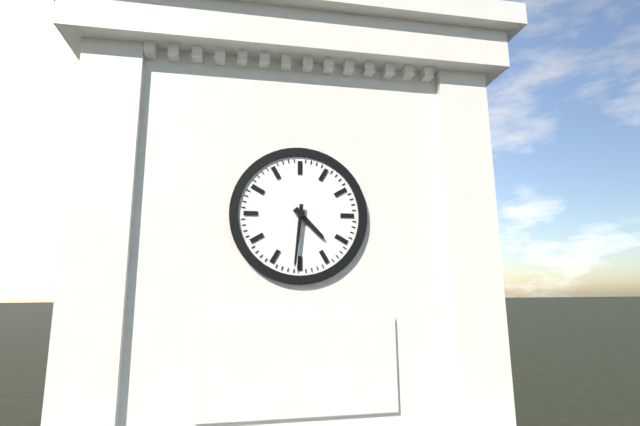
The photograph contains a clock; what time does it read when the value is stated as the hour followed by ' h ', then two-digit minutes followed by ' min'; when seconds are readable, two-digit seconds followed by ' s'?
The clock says 4 h 31 min
